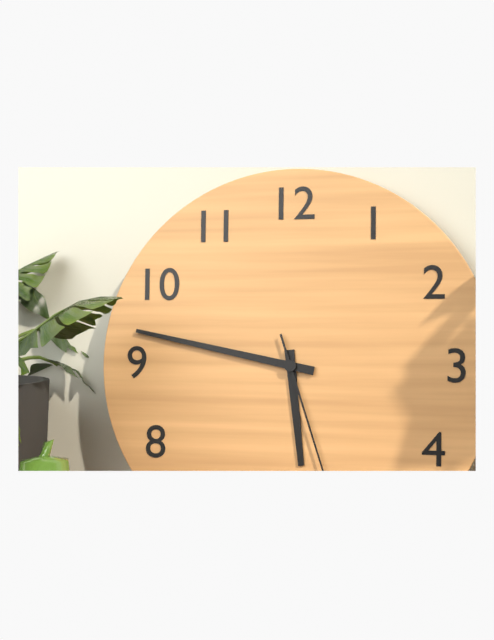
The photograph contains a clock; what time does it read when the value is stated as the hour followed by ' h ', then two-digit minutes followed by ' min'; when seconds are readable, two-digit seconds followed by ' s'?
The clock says 5 h 47 min 27 s
